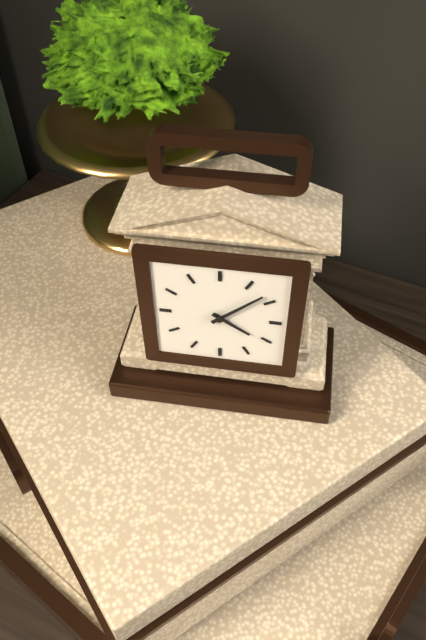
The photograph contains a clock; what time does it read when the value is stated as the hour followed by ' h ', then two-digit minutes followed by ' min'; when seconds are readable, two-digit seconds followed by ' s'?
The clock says 4 h 08 min
